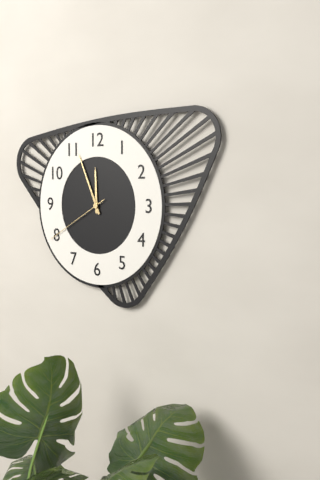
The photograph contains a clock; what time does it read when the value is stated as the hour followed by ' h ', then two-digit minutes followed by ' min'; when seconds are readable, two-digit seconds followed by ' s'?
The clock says 11 h 56 min 40 s
